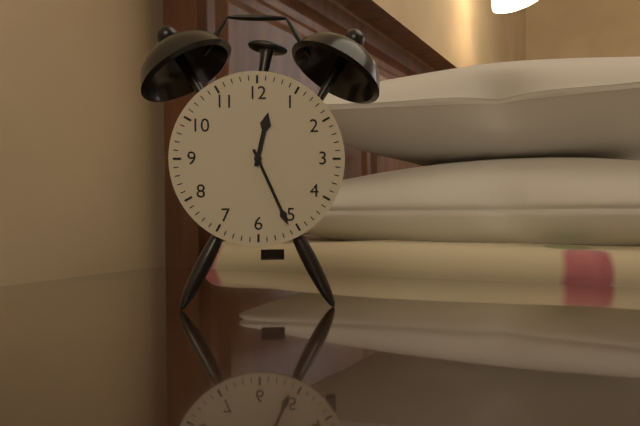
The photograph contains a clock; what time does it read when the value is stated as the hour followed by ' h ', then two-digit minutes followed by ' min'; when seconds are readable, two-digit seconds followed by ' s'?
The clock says 12 h 26 min
